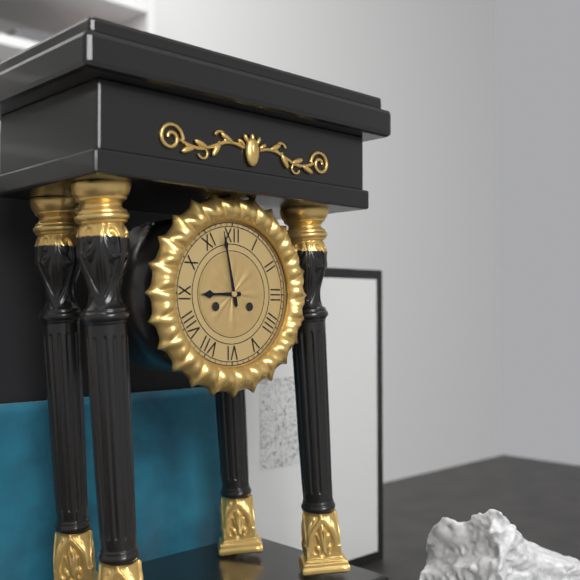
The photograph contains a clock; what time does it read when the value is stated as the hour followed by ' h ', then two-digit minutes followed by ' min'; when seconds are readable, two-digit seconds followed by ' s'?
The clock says 8 h 58 min
